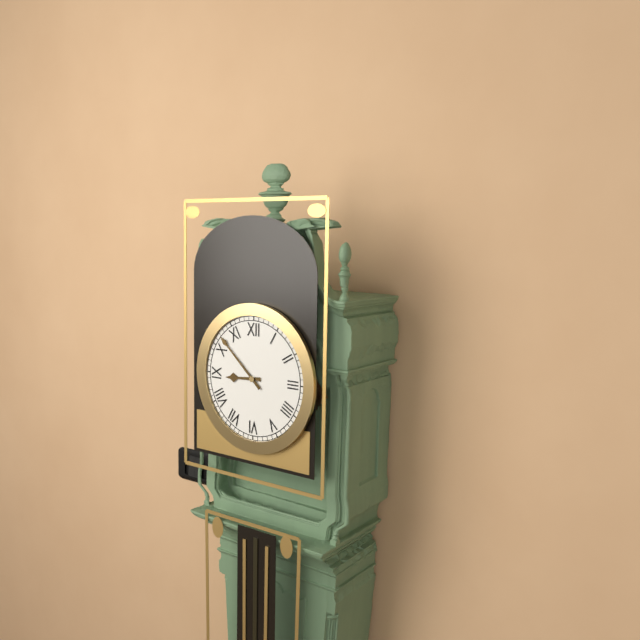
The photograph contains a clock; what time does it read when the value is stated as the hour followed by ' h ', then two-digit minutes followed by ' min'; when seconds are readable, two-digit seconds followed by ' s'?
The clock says 8 h 52 min
